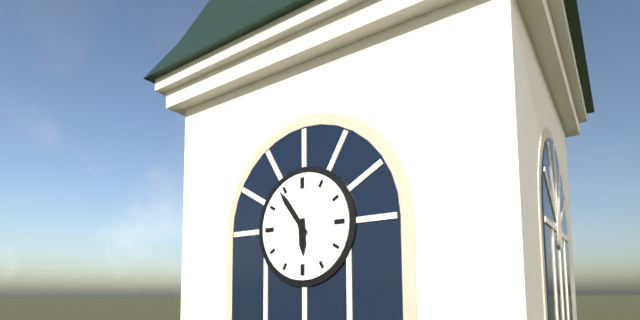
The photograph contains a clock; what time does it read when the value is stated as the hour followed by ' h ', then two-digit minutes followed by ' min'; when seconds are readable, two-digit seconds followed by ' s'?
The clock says 5 h 54 min
